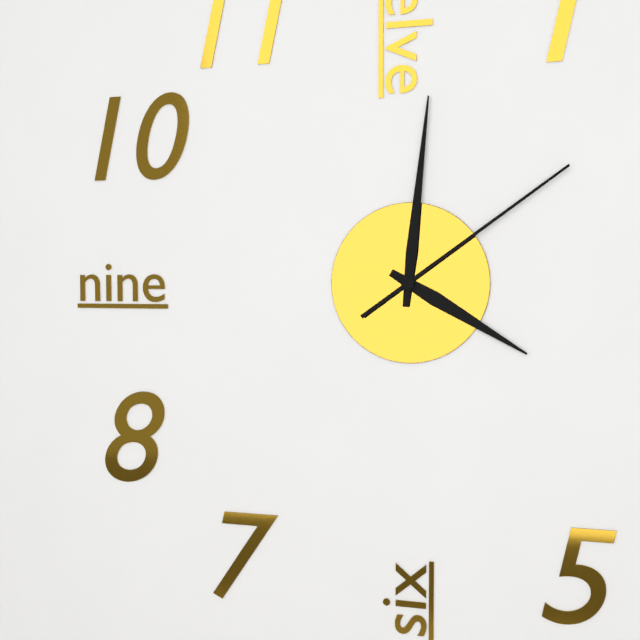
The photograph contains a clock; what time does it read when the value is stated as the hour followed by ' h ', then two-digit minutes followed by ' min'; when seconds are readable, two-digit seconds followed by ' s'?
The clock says 4 h 01 min 09 s
